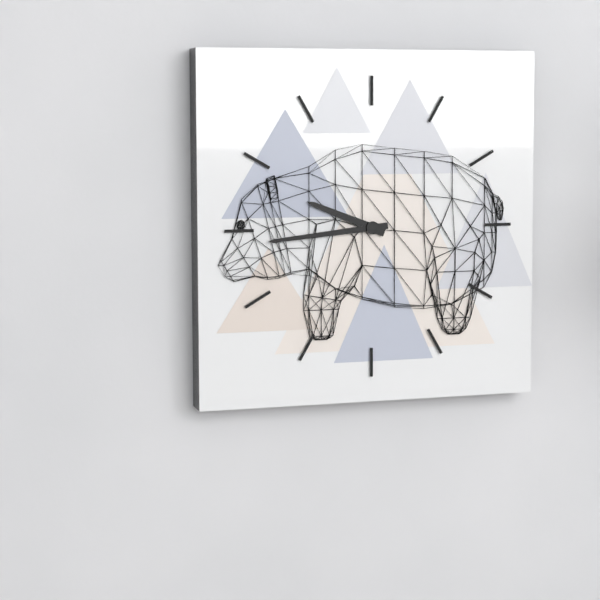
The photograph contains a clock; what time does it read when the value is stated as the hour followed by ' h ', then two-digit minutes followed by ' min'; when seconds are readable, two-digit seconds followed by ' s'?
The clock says 9 h 44 min
